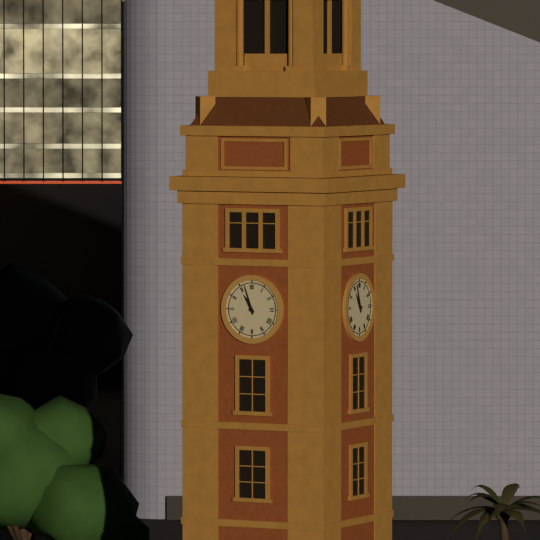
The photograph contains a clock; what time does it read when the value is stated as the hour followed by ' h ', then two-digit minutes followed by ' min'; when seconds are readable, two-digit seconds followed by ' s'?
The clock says 10 h 57 min
